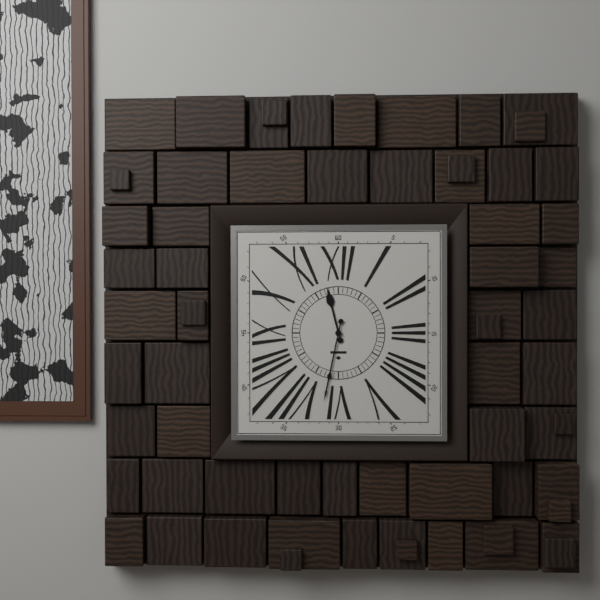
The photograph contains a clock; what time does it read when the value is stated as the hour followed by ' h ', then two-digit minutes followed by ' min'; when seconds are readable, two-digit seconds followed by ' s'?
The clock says 11 h 32 min
